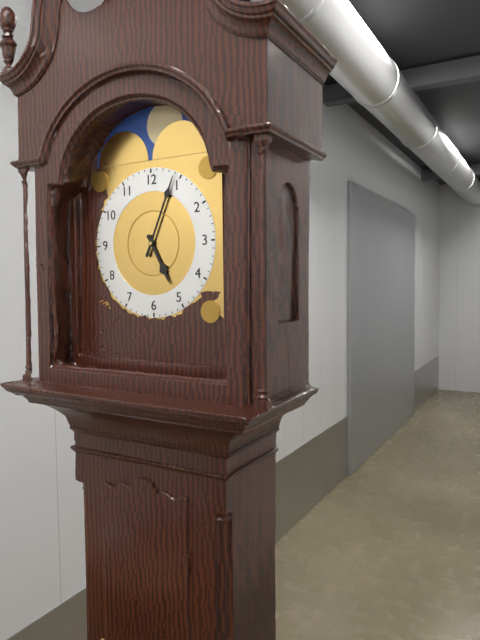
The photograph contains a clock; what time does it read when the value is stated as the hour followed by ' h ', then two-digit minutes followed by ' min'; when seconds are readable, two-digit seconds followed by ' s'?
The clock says 5 h 04 min
